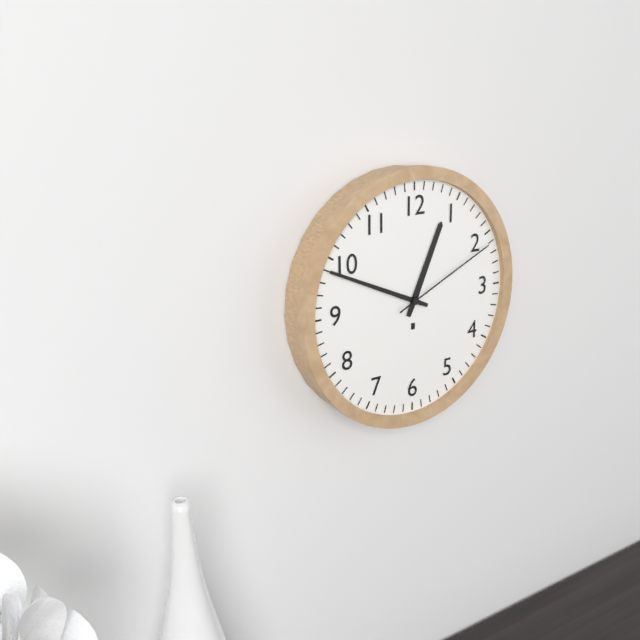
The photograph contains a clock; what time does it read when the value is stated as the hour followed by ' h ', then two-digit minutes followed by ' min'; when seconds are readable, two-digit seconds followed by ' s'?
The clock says 12 h 49 min 11 s
